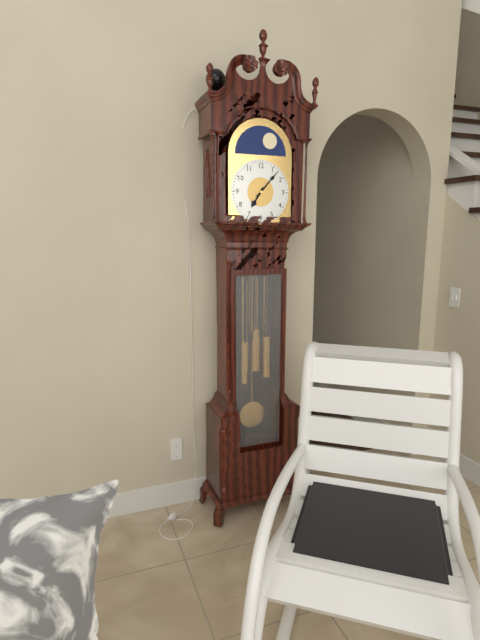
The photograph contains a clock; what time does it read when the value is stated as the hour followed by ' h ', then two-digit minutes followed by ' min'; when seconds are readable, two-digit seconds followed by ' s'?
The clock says 7 h 07 min
